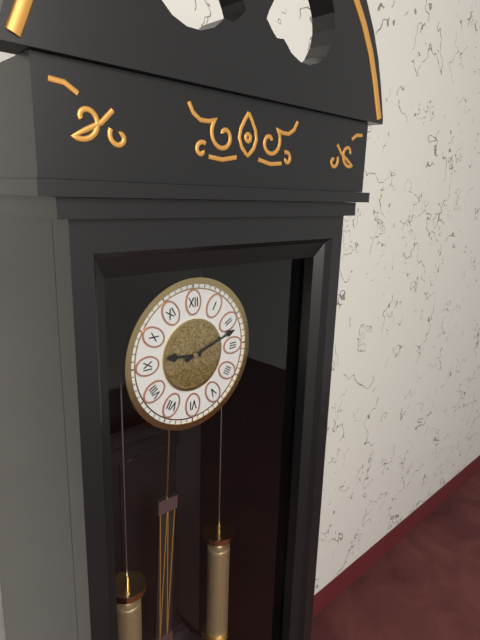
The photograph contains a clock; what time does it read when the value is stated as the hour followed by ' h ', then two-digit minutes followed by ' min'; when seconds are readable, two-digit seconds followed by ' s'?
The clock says 9 h 12 min
